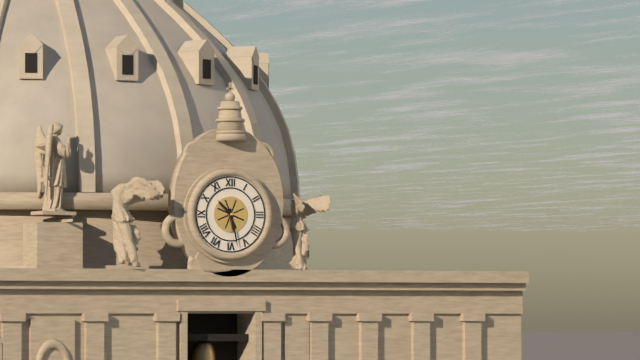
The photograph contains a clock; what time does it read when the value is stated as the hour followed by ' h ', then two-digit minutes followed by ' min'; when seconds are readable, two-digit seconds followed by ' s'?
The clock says 10 h 28 min
